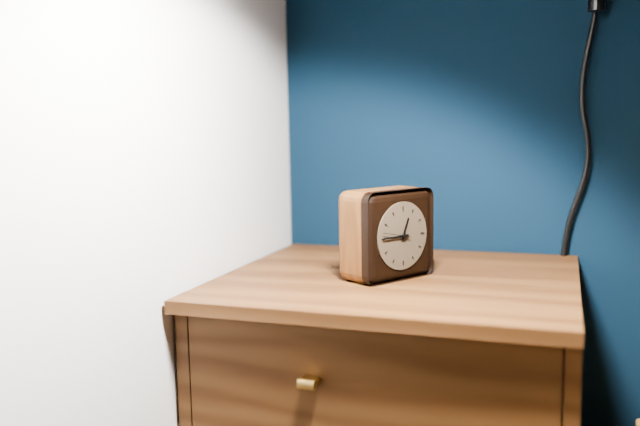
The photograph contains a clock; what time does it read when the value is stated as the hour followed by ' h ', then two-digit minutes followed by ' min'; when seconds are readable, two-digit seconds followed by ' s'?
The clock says 12 h 45 min
